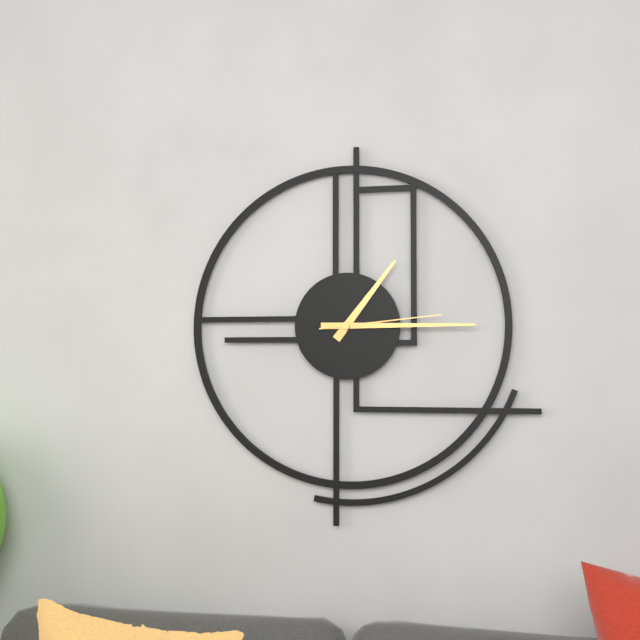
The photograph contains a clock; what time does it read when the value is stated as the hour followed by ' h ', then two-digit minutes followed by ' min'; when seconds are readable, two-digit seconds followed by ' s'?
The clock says 1 h 15 min 14 s
